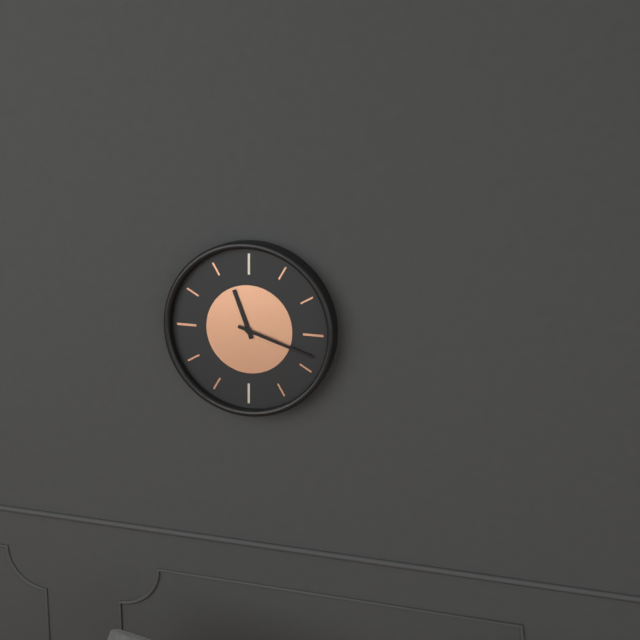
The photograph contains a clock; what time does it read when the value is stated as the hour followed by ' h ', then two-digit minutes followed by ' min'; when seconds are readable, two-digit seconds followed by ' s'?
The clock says 11 h 18 min
